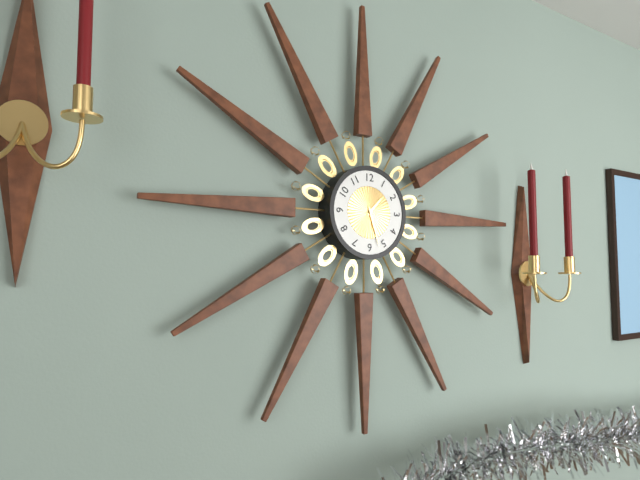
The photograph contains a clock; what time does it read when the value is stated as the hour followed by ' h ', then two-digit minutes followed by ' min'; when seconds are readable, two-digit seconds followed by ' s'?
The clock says 1 h 27 min
